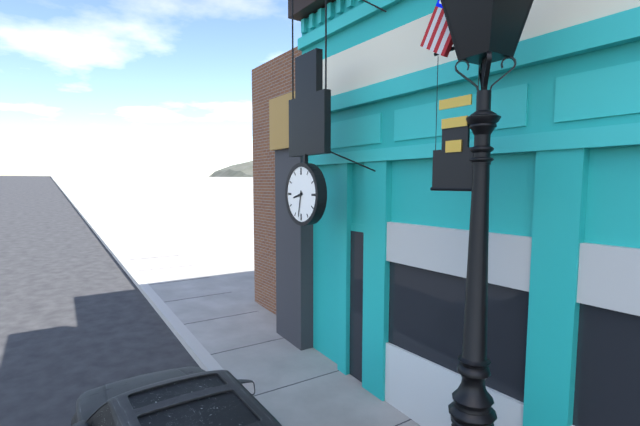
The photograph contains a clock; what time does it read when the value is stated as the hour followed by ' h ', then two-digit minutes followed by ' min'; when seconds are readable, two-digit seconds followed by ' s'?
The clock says 8 h 32 min
